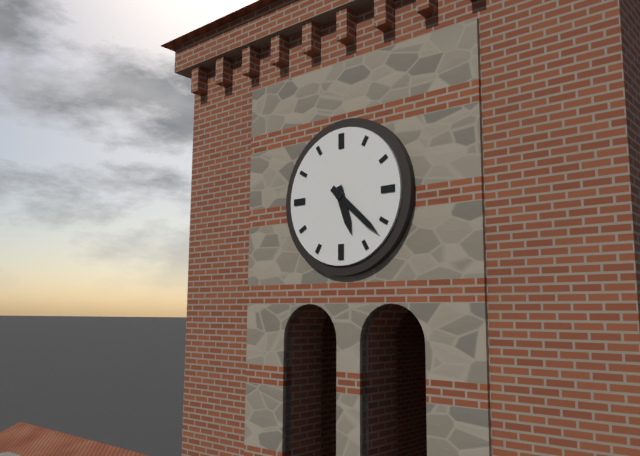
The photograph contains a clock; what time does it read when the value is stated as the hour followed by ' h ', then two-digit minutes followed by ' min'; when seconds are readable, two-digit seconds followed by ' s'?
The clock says 5 h 22 min
